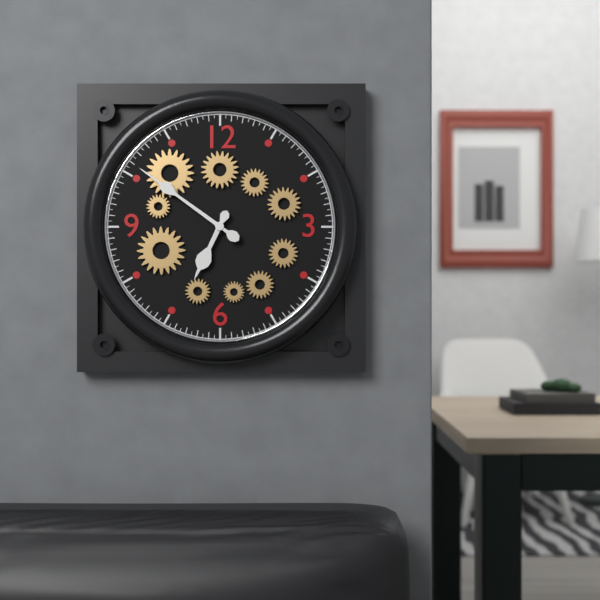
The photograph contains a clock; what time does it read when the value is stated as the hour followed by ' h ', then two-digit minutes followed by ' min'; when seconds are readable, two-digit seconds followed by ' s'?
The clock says 6 h 51 min
